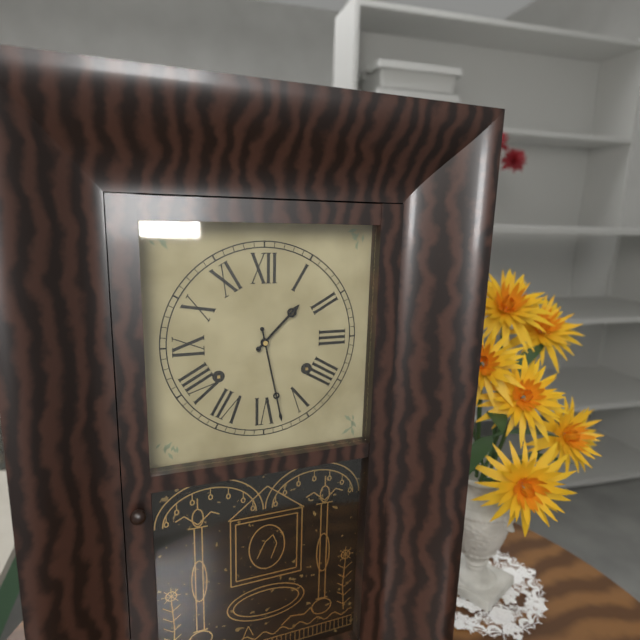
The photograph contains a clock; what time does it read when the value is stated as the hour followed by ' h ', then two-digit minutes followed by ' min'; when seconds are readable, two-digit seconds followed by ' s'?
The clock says 1 h 28 min
